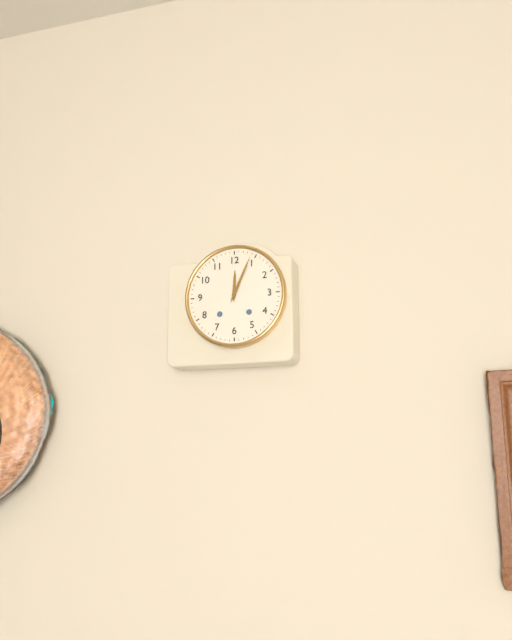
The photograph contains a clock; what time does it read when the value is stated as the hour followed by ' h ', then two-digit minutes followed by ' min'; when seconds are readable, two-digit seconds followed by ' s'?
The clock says 12 h 04 min
